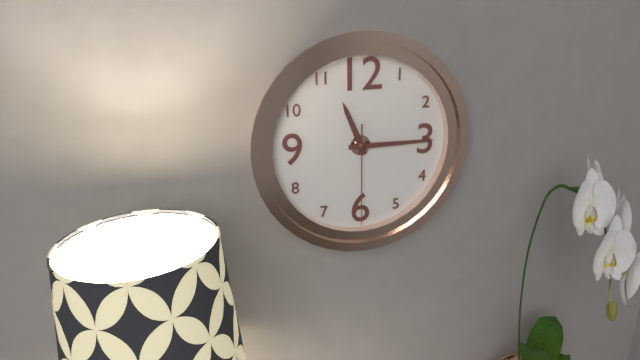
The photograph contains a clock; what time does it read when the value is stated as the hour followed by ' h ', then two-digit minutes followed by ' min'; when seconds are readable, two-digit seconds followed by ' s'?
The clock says 11 h 15 min 30 s
